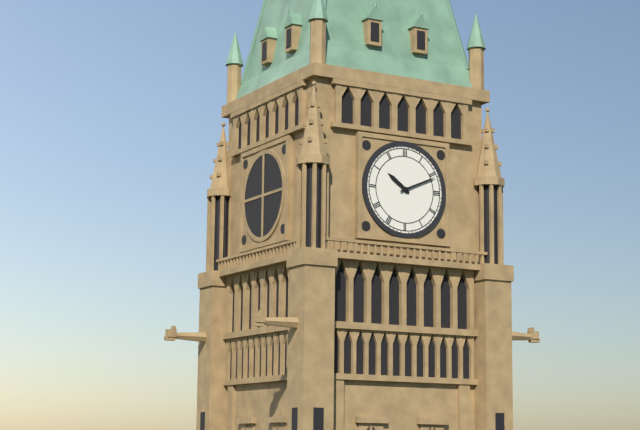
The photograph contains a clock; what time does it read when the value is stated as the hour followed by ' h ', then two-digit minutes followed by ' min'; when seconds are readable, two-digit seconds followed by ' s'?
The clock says 10 h 11 min
